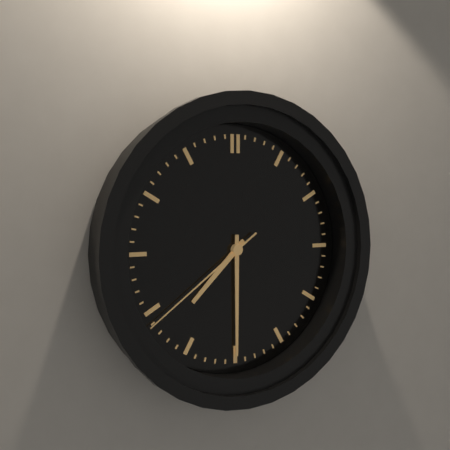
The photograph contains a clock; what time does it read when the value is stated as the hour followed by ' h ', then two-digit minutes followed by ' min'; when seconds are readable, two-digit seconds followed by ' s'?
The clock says 7 h 30 min 39 s
